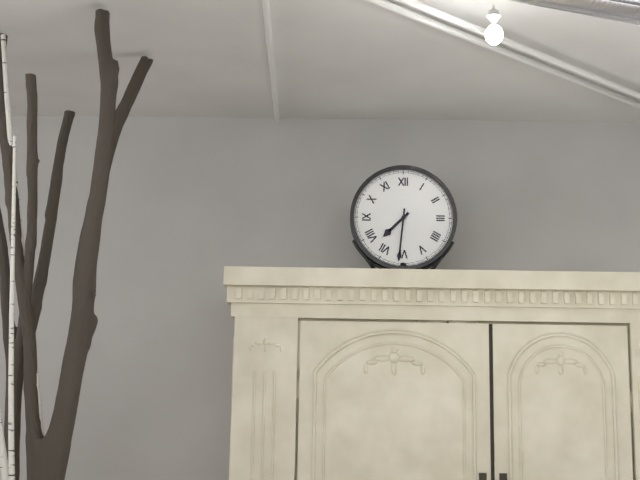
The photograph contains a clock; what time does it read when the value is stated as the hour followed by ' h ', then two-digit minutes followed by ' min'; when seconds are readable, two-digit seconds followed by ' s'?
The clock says 7 h 31 min
